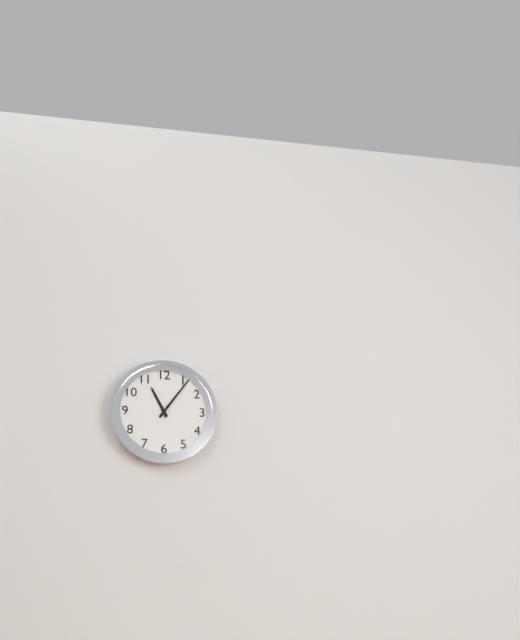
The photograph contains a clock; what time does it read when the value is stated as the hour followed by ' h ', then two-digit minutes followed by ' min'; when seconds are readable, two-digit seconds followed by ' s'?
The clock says 11 h 06 min
